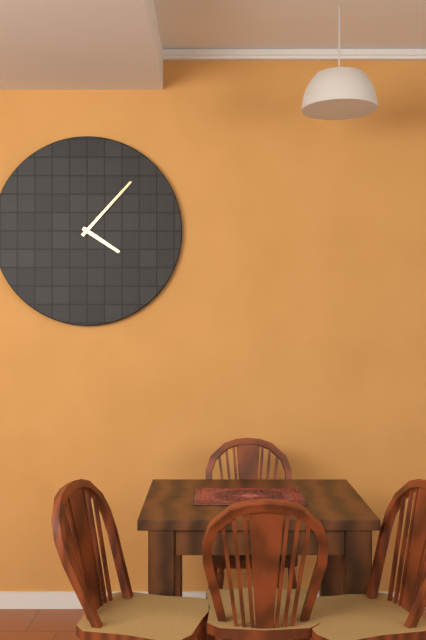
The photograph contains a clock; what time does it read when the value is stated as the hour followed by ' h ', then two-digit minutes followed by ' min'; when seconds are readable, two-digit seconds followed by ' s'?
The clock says 4 h 07 min
